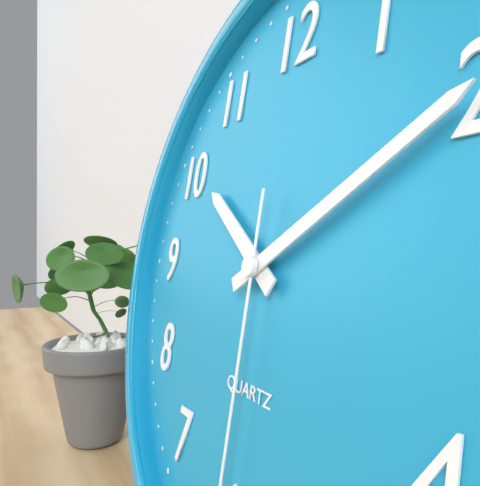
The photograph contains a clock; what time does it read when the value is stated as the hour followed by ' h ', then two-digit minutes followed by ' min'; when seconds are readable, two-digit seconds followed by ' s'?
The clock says 10 h 10 min
